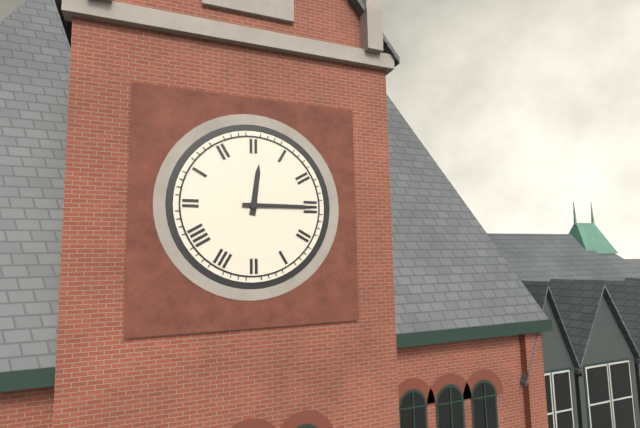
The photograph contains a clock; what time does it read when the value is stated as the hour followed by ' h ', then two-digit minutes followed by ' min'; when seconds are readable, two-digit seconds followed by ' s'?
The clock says 12 h 15 min
